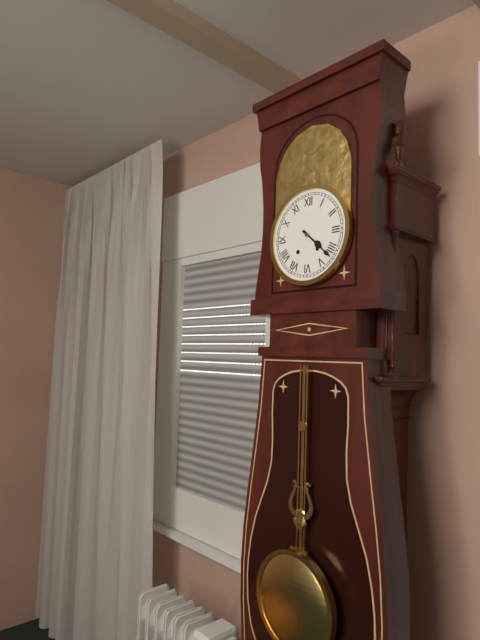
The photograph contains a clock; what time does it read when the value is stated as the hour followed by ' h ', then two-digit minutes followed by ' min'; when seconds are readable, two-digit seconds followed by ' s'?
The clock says 4 h 22 min
